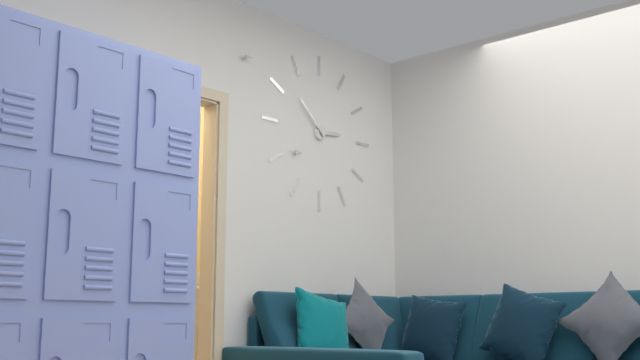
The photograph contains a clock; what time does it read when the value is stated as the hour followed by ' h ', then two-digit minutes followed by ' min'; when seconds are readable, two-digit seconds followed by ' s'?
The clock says 2 h 52 min
